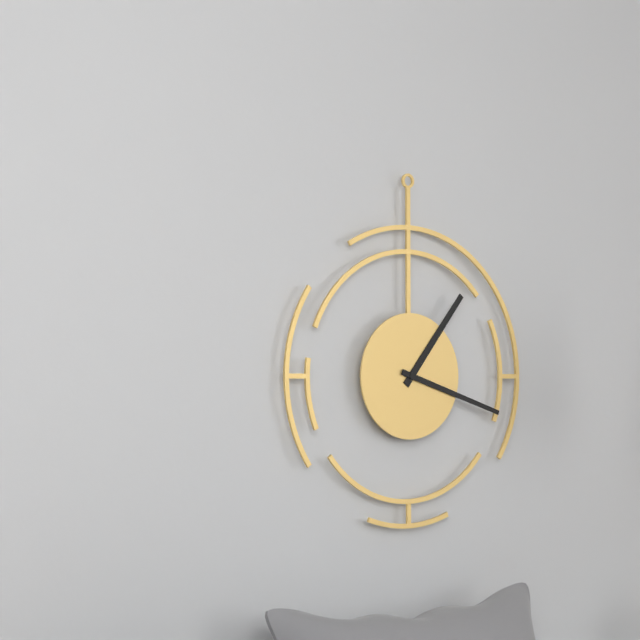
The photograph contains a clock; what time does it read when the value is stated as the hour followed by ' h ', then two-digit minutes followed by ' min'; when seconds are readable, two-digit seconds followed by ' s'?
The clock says 1 h 18 min
